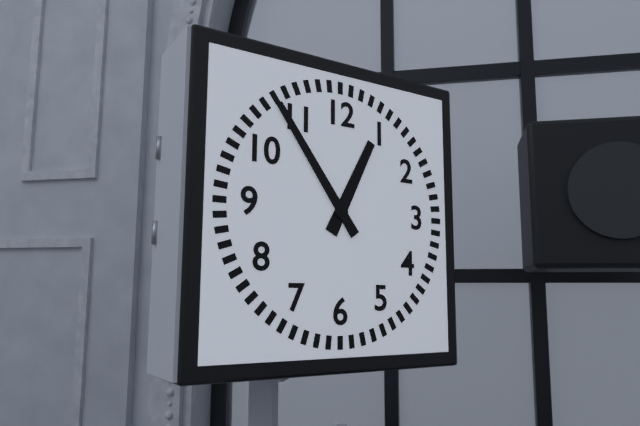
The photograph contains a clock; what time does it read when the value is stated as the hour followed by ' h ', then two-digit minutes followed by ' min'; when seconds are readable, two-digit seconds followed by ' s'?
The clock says 12 h 54 min
